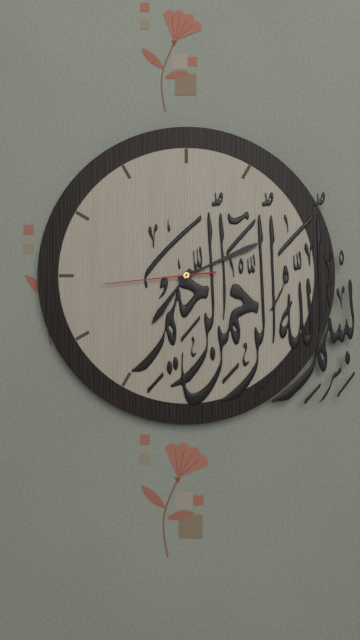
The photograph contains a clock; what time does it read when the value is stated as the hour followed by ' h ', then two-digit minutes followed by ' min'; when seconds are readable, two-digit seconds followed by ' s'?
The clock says 7 h 11 min 44 s
